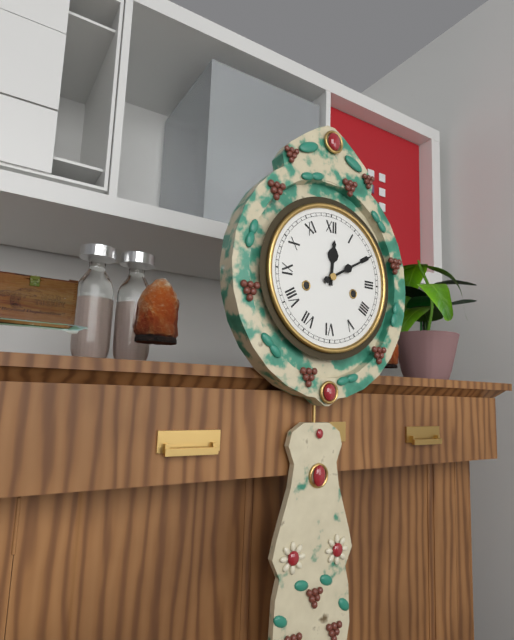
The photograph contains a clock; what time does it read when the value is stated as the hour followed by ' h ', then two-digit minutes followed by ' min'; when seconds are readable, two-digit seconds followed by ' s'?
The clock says 12 h 10 min
